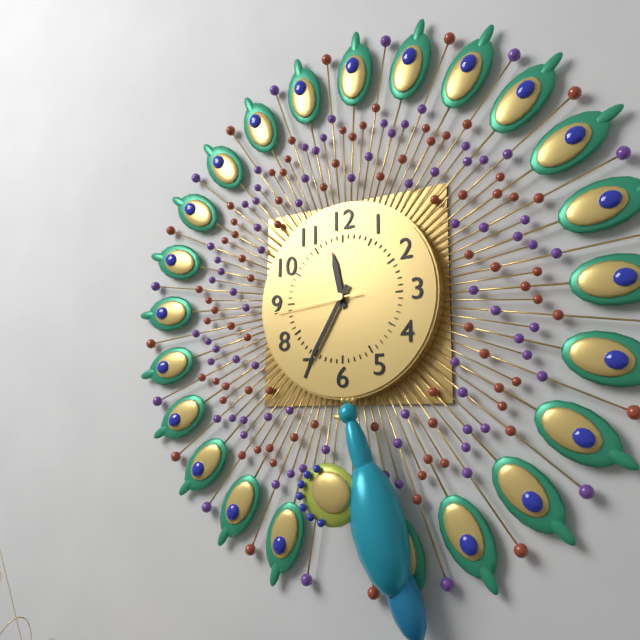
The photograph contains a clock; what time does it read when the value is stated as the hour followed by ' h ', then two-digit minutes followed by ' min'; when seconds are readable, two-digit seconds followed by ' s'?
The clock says 11 h 35 min 44 s
